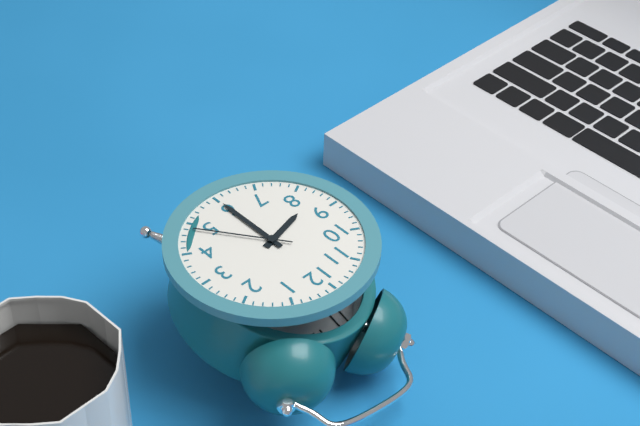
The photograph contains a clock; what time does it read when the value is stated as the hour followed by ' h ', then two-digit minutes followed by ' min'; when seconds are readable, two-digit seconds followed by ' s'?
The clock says 8 h 30 min 24 s
